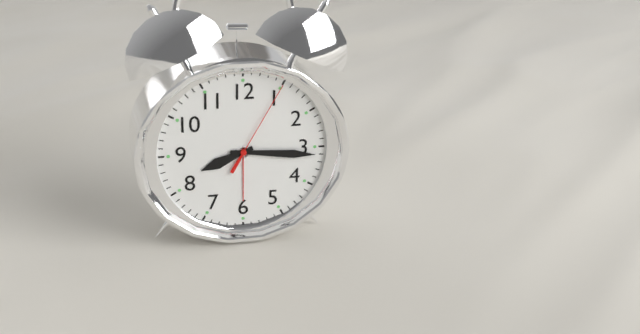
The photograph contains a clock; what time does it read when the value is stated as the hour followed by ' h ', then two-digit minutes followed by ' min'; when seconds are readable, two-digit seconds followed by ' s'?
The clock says 8 h 16 min 05 s
